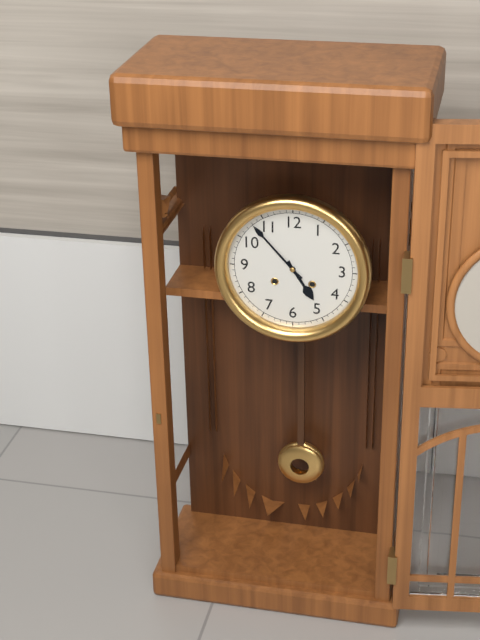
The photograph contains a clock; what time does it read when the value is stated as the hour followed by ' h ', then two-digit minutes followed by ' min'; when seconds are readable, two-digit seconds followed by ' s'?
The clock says 4 h 53 min
